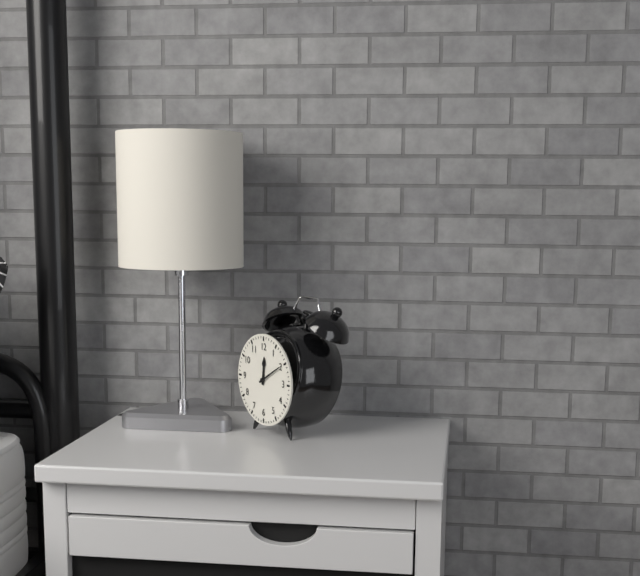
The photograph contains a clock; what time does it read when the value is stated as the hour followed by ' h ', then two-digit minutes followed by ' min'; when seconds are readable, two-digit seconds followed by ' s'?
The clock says 12 h 10 min
